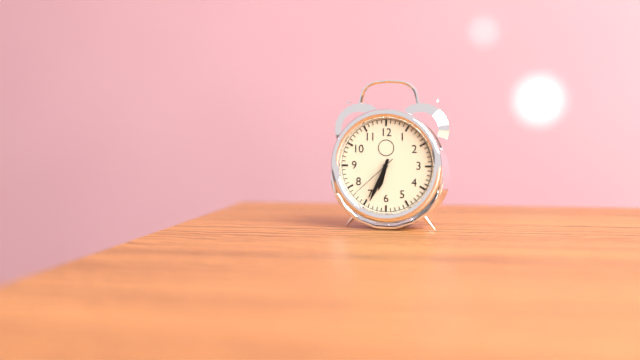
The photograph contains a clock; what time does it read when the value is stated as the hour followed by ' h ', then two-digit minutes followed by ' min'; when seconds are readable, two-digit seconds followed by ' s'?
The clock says 6 h 34 min 38 s
